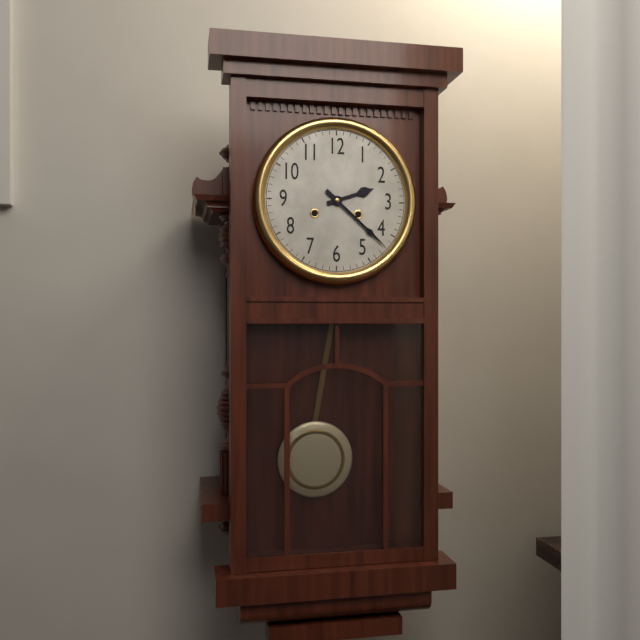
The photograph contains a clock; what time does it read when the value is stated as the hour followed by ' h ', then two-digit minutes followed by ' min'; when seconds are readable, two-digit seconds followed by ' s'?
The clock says 2 h 22 min
